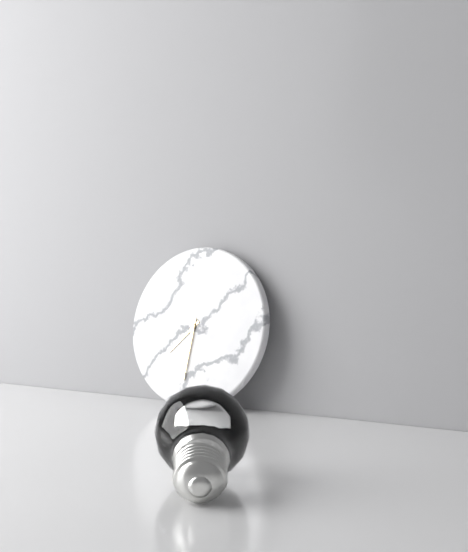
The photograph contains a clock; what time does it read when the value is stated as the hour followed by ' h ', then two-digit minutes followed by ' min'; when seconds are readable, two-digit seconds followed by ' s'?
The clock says 7 h 31 min
